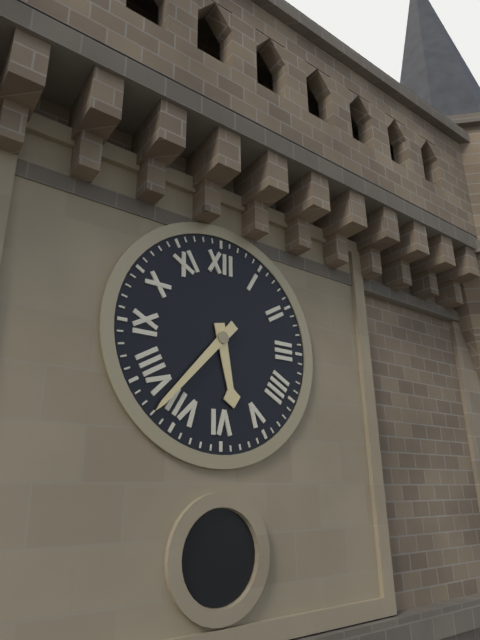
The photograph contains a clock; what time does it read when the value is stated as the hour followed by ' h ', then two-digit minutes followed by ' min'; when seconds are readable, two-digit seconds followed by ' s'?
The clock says 5 h 37 min
